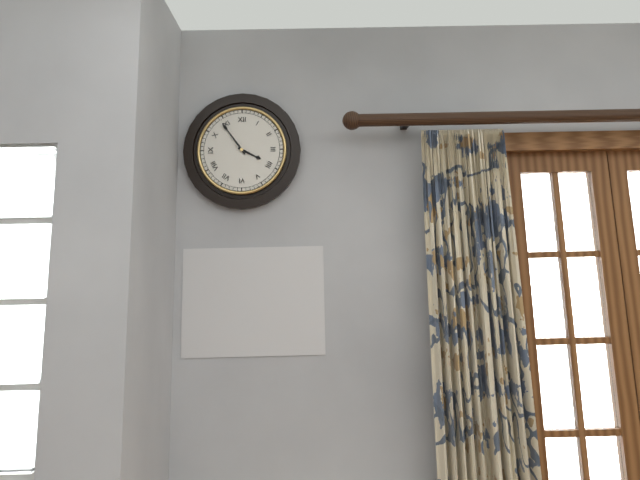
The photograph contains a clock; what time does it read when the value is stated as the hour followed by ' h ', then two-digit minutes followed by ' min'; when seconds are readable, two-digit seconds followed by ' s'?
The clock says 3 h 54 min
